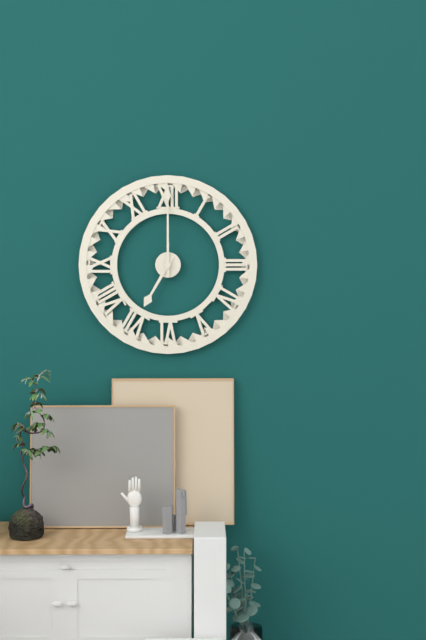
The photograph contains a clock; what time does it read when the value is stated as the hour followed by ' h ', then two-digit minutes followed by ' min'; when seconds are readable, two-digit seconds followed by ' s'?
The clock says 7 h 00 min
